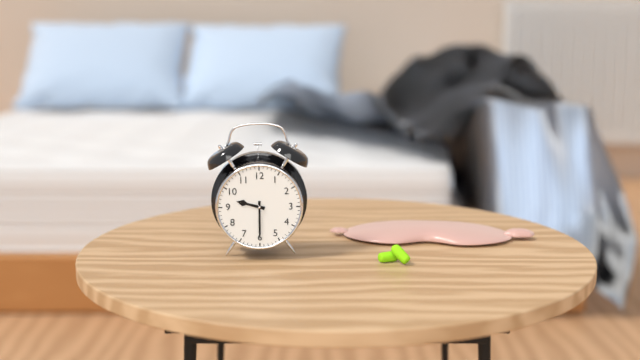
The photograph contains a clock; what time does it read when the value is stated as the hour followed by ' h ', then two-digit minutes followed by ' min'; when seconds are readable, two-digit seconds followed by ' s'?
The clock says 9 h 30 min
